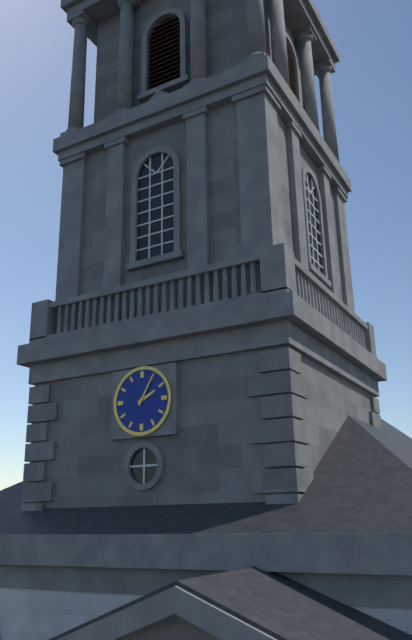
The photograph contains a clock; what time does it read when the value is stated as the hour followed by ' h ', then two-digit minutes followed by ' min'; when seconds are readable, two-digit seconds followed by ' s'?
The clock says 2 h 05 min
